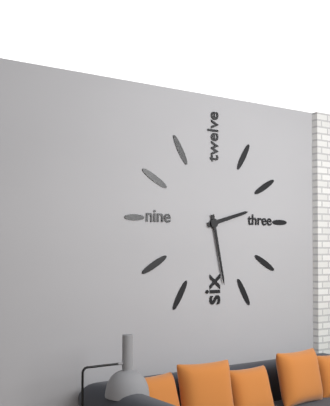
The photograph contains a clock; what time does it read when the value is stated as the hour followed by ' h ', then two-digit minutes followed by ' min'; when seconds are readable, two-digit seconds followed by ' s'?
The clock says 2 h 28 min
